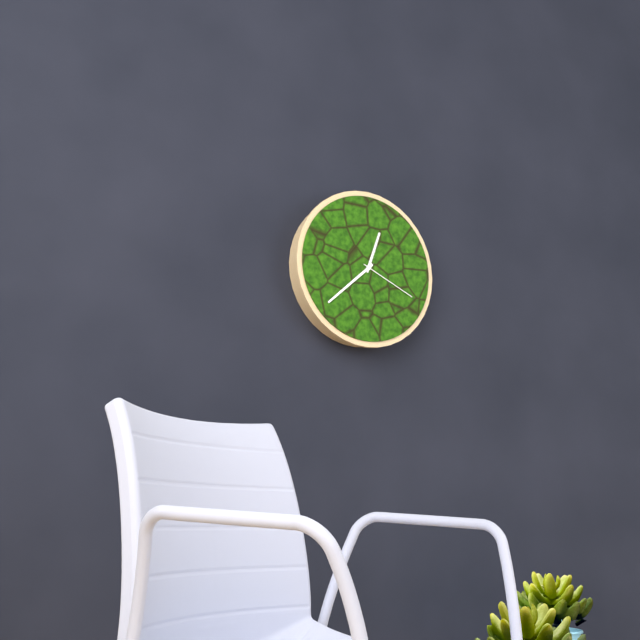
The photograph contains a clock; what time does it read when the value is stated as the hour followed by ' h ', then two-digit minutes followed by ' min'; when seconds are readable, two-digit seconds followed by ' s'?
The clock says 12 h 38 min 19 s
